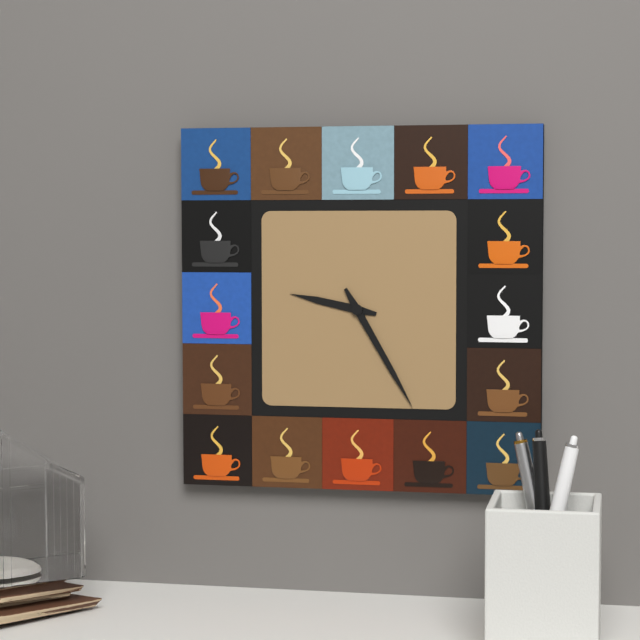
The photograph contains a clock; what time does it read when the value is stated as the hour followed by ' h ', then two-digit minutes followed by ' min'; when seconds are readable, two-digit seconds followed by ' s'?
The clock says 9 h 25 min
